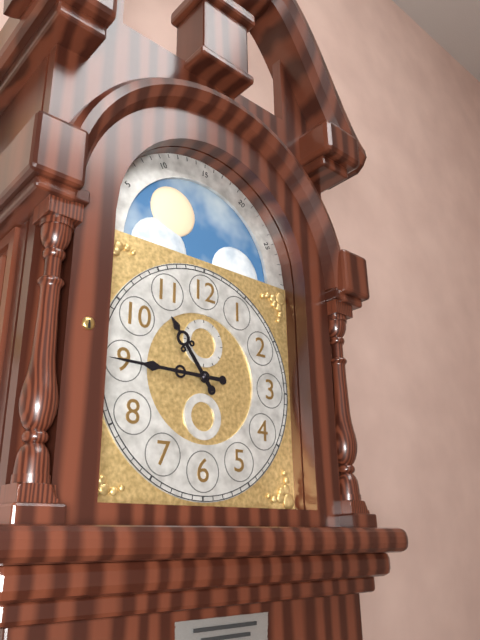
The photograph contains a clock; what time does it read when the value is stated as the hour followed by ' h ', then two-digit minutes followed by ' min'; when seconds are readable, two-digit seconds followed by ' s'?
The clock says 10 h 45 min
